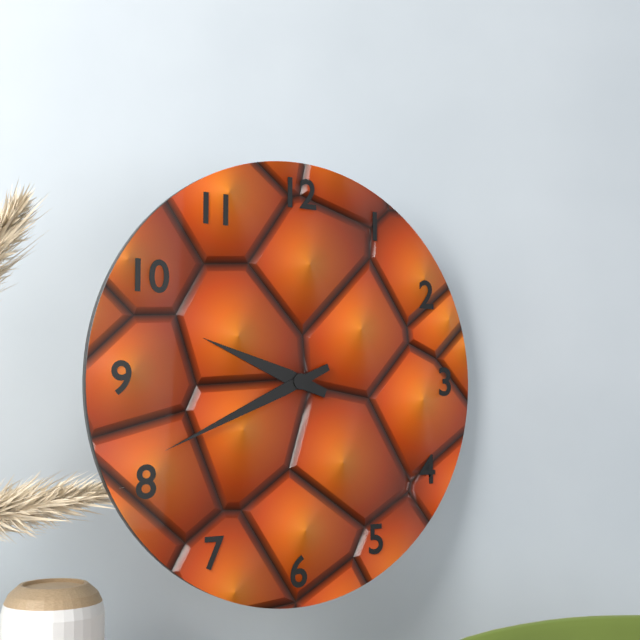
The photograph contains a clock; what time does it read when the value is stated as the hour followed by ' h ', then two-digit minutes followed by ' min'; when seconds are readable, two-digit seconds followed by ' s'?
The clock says 9 h 41 min
